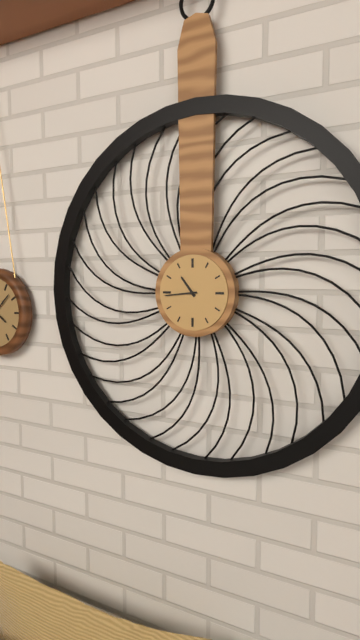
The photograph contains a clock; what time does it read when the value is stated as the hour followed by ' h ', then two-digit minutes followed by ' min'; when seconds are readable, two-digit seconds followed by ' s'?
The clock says 10 h 44 min
